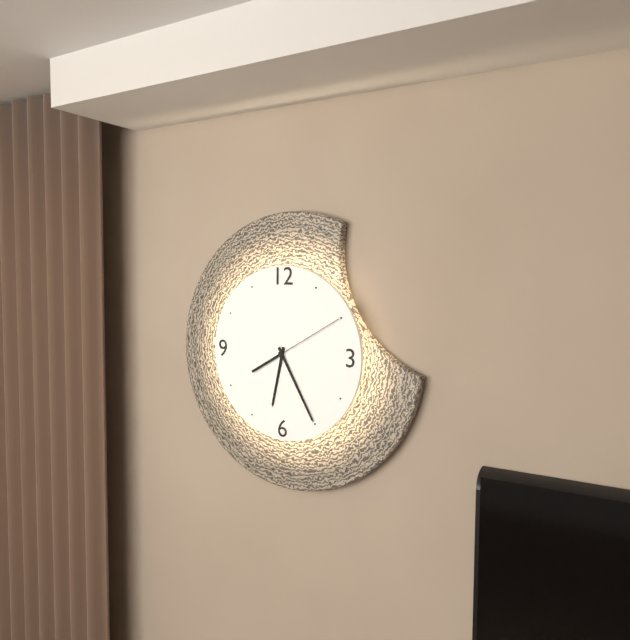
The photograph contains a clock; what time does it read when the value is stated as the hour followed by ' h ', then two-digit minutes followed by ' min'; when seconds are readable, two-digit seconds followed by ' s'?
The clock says 6 h 25 min 10 s
